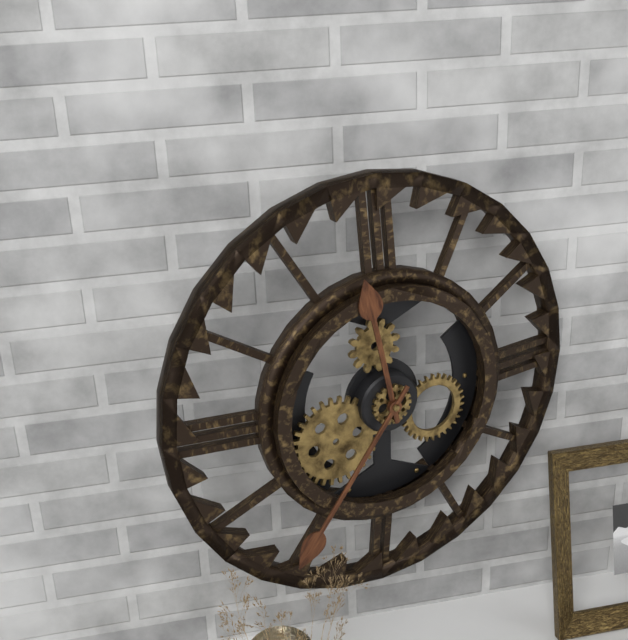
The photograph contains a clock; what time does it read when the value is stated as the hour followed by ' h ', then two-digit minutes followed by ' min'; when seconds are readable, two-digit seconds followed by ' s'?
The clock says 11 h 36 min
